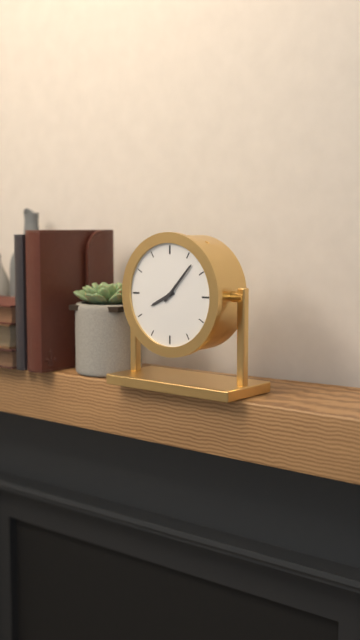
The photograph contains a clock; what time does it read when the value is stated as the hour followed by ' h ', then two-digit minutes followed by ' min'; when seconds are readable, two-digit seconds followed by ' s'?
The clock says 8 h 07 min
